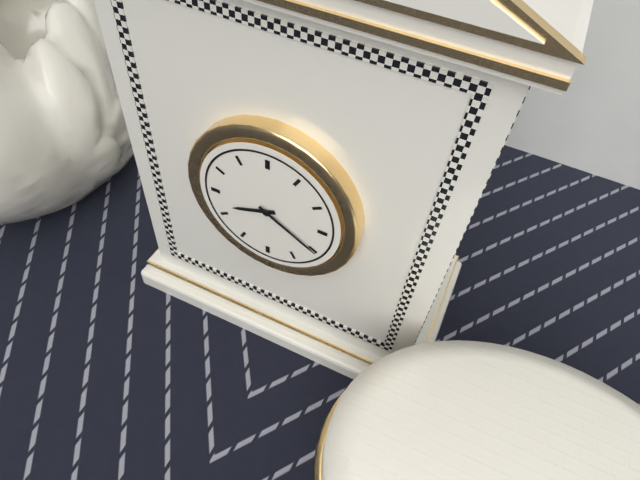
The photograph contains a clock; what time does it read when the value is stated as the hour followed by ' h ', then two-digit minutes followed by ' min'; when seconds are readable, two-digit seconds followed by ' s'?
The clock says 8 h 20 min
